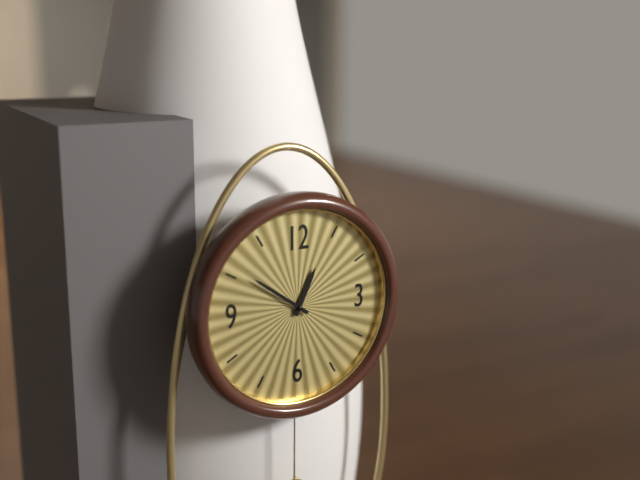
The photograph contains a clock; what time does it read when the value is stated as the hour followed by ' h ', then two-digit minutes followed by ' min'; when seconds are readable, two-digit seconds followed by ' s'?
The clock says 12 h 51 min
